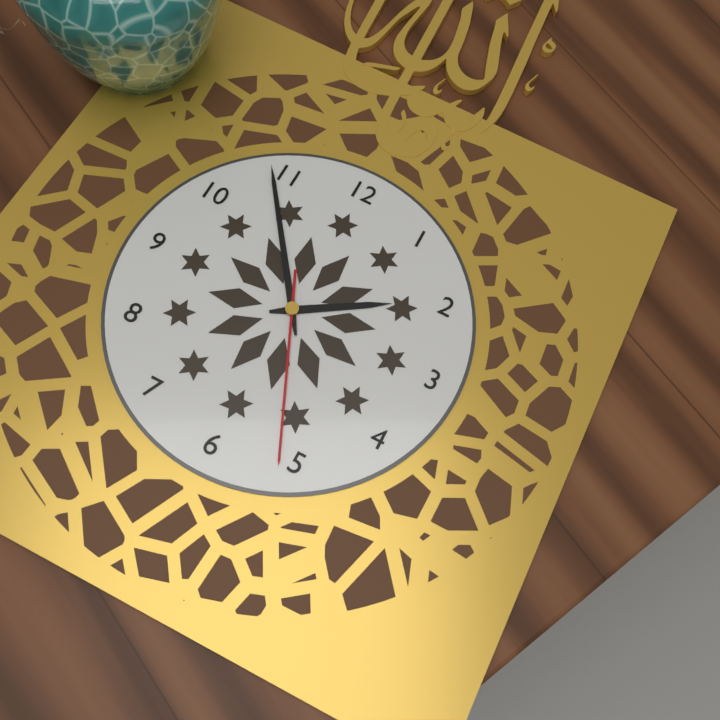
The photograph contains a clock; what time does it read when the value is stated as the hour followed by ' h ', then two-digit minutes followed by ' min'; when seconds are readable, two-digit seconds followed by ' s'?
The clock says 1 h 54 min 26 s
